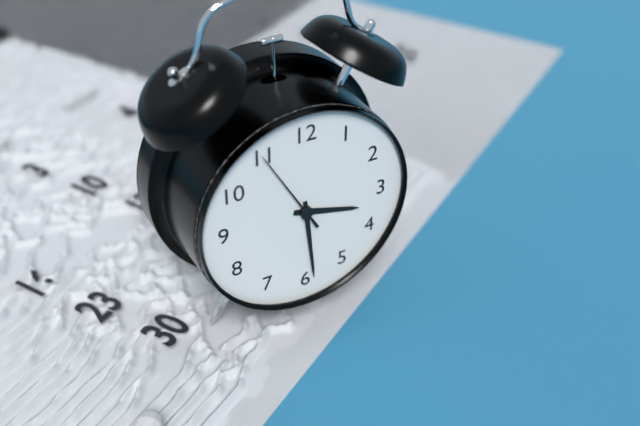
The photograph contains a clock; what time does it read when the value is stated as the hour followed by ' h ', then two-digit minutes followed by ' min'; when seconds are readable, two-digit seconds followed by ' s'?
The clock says 3 h 29 min 55 s
